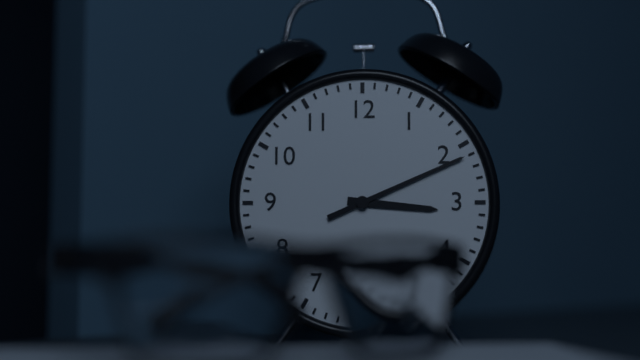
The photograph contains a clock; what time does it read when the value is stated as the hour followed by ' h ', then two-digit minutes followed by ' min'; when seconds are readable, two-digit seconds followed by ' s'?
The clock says 3 h 11 min
